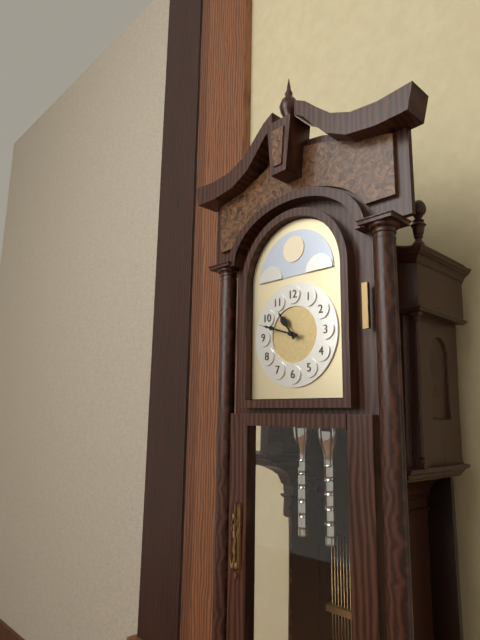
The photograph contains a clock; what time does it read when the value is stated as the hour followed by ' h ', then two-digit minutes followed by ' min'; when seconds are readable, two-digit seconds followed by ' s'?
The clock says 10 h 48 min
